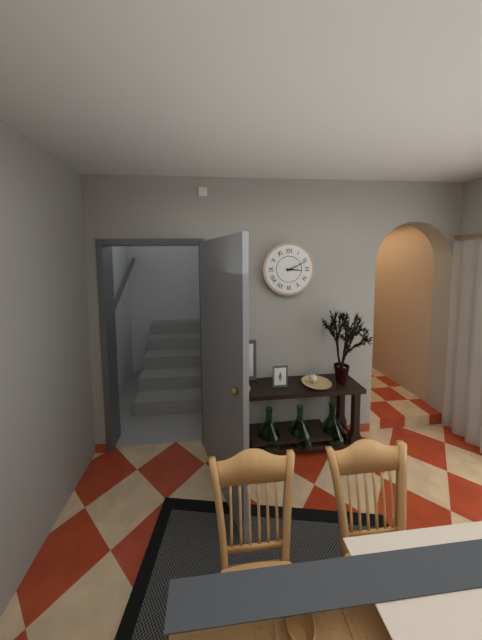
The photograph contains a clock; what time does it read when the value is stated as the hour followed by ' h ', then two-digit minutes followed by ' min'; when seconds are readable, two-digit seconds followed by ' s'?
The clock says 3 h 11 min
